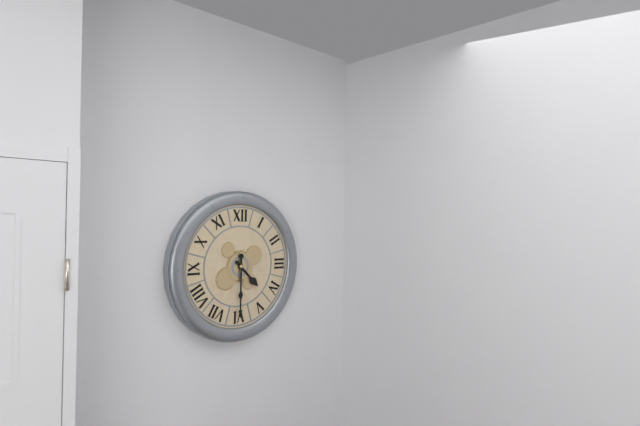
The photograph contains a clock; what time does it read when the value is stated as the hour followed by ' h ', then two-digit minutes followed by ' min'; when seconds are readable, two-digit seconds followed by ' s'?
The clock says 4 h 30 min
